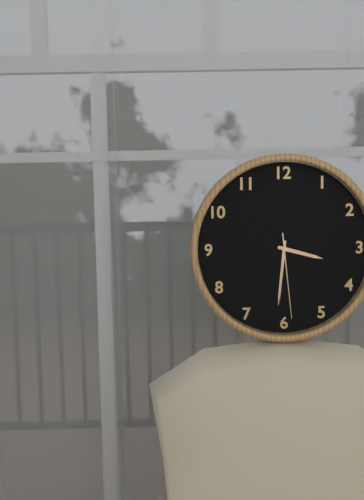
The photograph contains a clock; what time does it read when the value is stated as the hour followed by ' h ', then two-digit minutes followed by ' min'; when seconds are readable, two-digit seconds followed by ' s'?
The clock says 3 h 31 min 29 s
